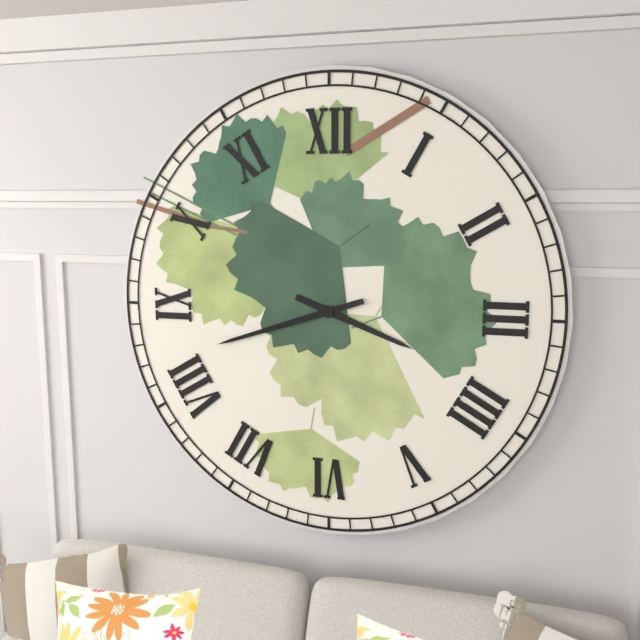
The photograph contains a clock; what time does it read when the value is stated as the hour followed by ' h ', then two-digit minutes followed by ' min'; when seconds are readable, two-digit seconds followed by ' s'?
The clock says 3 h 42 min
